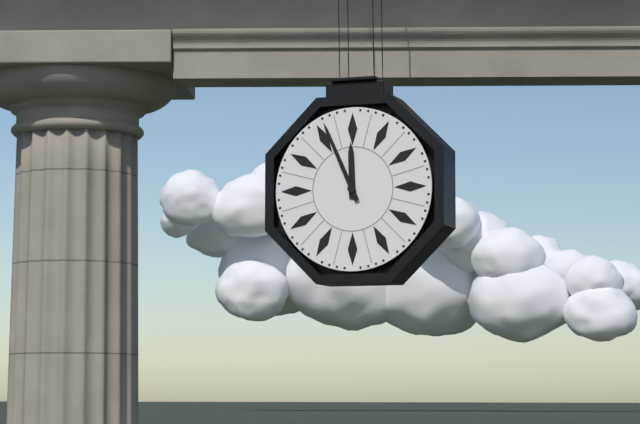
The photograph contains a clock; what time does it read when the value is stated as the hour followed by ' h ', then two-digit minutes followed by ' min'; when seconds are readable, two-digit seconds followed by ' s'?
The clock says 11 h 56 min
